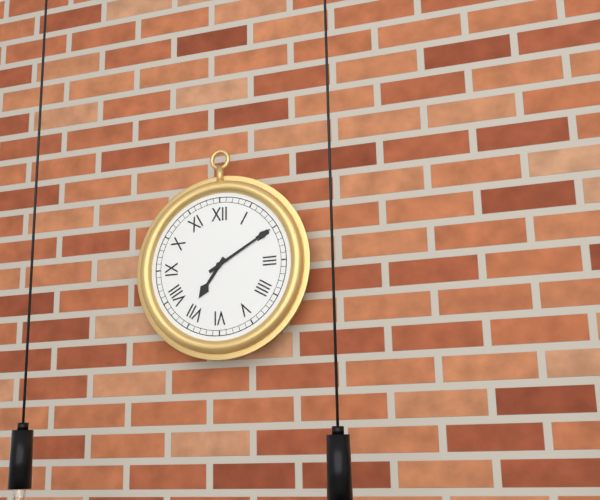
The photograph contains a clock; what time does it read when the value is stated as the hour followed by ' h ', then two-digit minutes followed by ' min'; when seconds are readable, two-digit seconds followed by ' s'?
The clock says 7 h 10 min
